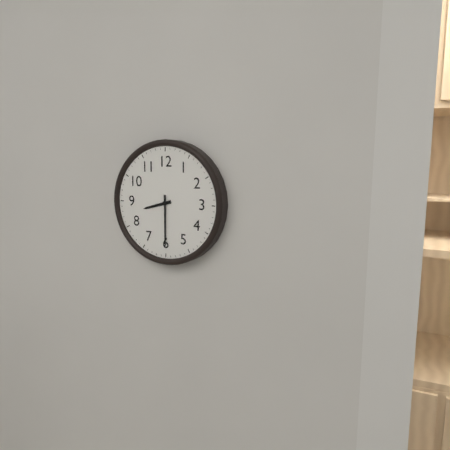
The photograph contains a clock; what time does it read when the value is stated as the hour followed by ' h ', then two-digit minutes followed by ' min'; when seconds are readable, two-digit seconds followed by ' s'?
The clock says 8 h 30 min
